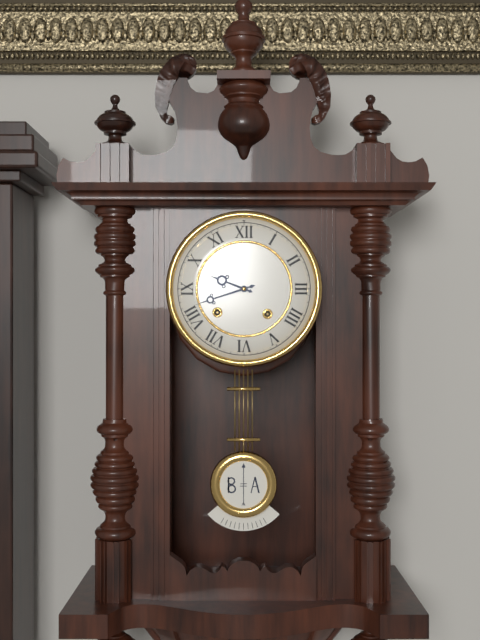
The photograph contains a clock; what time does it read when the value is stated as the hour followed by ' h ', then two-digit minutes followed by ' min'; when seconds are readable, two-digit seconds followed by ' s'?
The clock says 9 h 42 min
